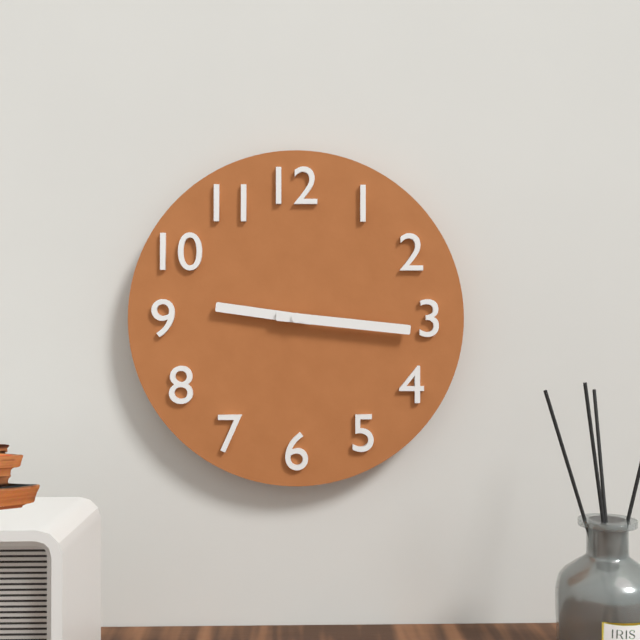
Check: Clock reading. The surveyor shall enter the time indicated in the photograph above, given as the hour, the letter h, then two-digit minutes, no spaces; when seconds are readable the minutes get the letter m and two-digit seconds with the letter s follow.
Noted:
9h16
